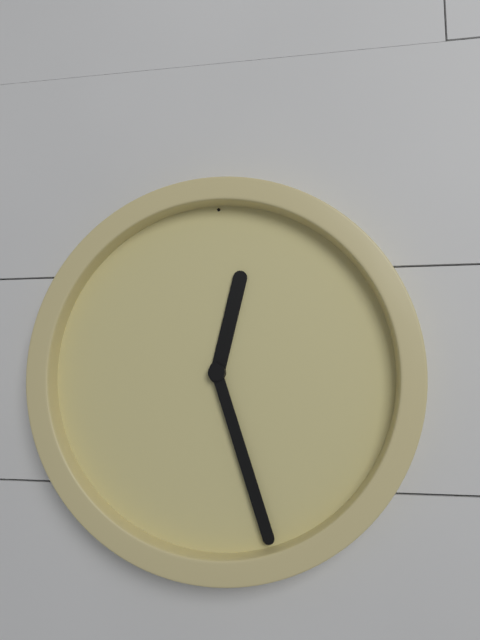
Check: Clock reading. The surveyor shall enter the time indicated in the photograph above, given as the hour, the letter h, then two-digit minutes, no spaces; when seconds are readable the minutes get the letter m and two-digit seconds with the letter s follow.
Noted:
12h27
